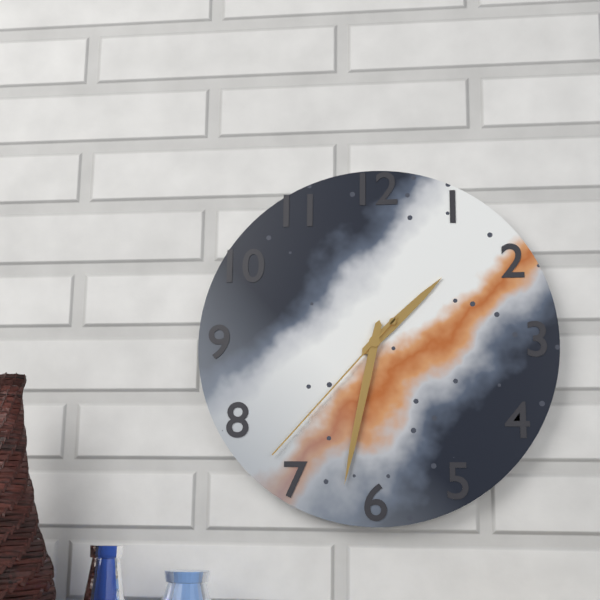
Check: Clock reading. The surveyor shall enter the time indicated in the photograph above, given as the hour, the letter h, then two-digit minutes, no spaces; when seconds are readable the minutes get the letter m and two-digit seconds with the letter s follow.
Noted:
1h32m37s
